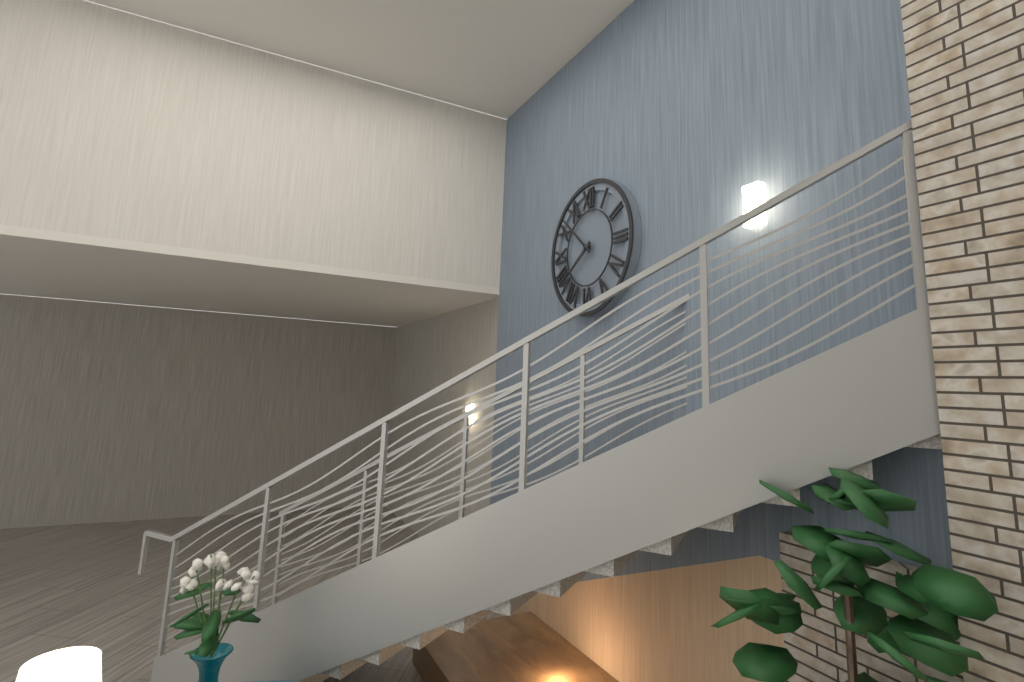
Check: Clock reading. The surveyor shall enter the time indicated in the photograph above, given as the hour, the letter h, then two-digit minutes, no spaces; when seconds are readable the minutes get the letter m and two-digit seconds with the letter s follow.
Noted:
7h52
